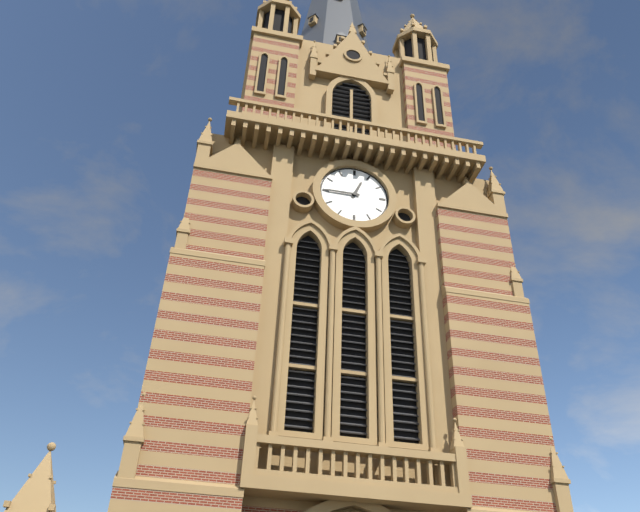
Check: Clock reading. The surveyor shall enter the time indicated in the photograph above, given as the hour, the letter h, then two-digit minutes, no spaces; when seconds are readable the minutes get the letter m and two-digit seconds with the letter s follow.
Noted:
12h45
